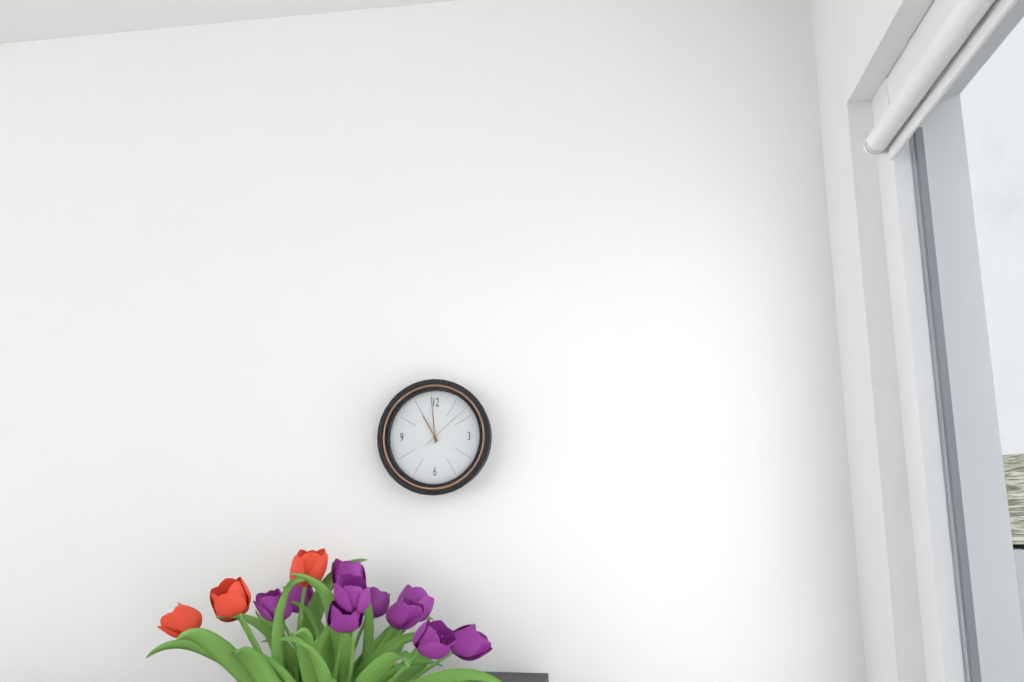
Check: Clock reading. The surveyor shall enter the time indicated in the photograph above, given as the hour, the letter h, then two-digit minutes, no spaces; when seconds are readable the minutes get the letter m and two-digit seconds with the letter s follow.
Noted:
10h59m08s
